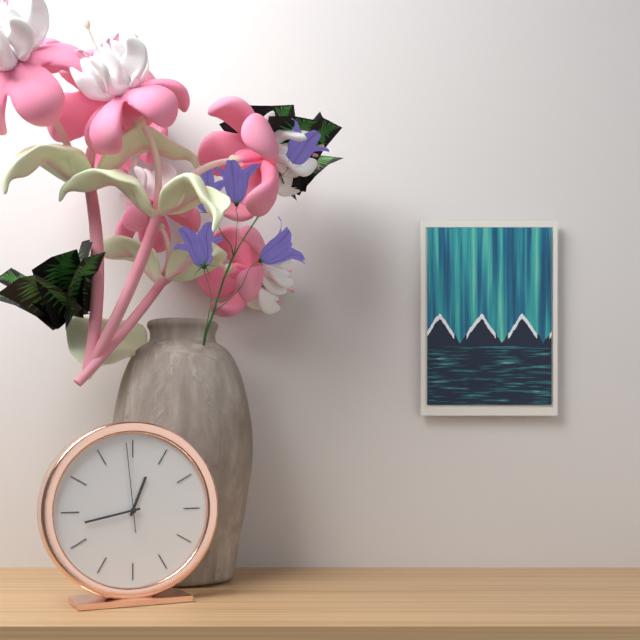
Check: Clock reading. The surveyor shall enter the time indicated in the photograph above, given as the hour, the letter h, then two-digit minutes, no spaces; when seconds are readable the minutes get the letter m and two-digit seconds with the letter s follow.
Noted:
12h43m59s
